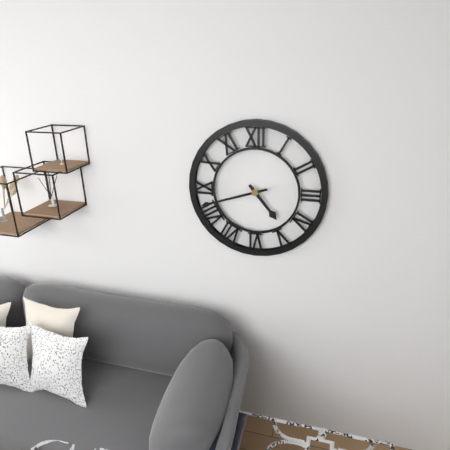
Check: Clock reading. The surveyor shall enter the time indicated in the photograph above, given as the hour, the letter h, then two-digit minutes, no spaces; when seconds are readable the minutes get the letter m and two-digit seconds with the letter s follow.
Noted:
4h42
